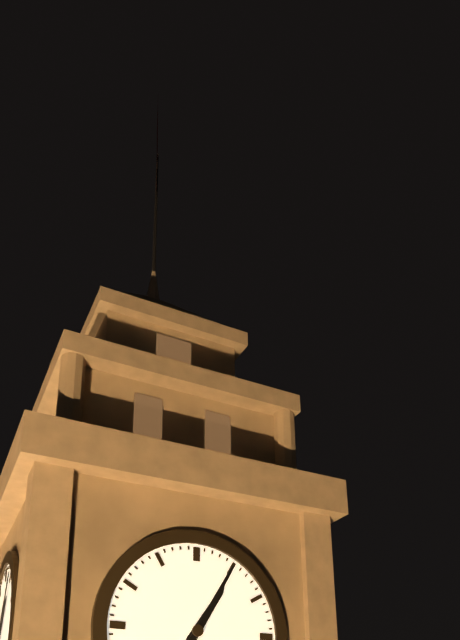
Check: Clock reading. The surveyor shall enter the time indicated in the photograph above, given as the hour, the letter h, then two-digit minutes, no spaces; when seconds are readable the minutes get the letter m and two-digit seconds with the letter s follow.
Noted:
1h05
